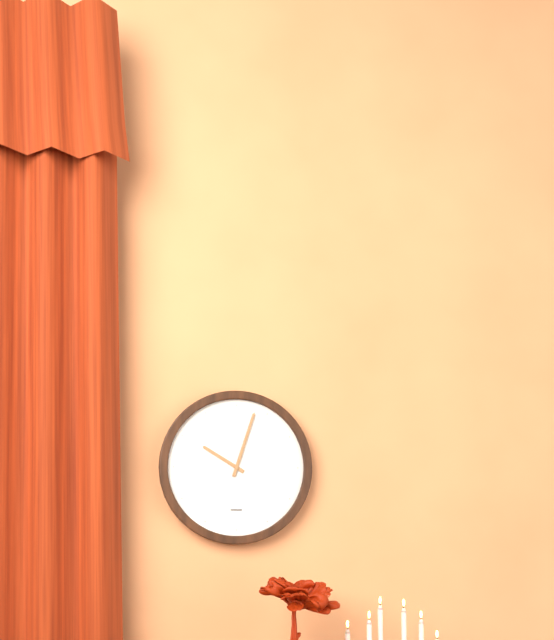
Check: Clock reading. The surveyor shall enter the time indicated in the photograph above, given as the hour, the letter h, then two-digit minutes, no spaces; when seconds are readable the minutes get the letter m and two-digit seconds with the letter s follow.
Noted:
10h03
